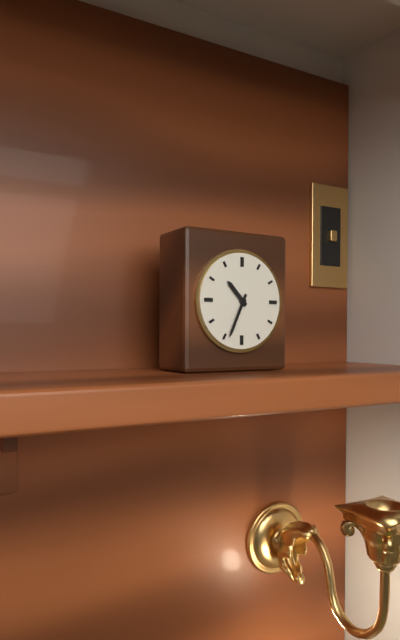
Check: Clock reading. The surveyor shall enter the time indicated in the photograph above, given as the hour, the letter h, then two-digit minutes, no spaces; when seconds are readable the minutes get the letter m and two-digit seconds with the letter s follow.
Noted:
10h34
